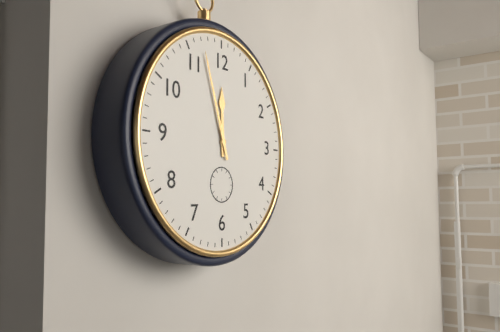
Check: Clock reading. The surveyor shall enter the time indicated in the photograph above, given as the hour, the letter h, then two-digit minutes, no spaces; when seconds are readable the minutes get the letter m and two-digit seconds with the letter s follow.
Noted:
11h57
